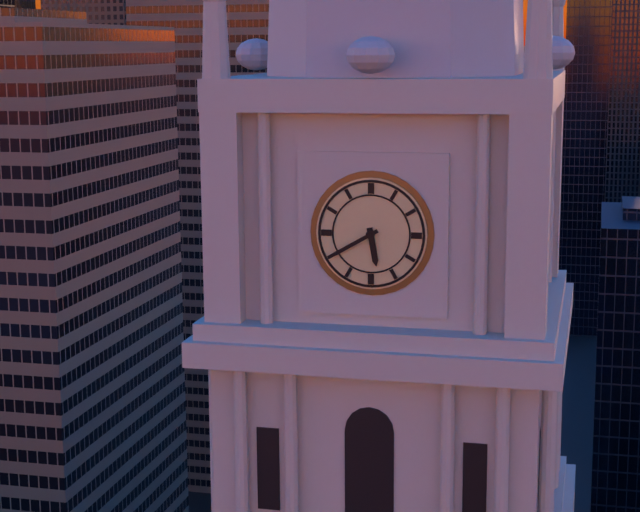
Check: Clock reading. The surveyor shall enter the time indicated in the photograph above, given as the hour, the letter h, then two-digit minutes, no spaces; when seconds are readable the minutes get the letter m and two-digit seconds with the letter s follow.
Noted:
5h40
